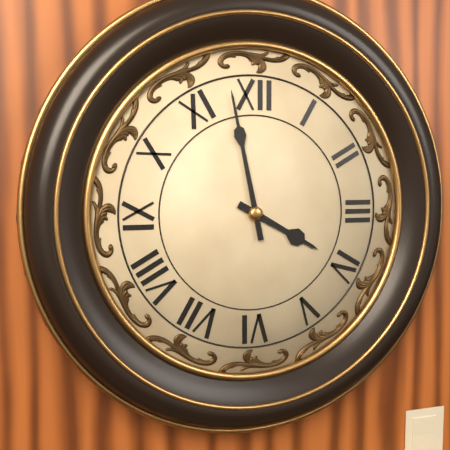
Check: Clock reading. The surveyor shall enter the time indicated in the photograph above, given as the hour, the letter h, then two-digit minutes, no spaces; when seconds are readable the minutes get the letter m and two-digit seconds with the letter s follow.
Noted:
3h58
